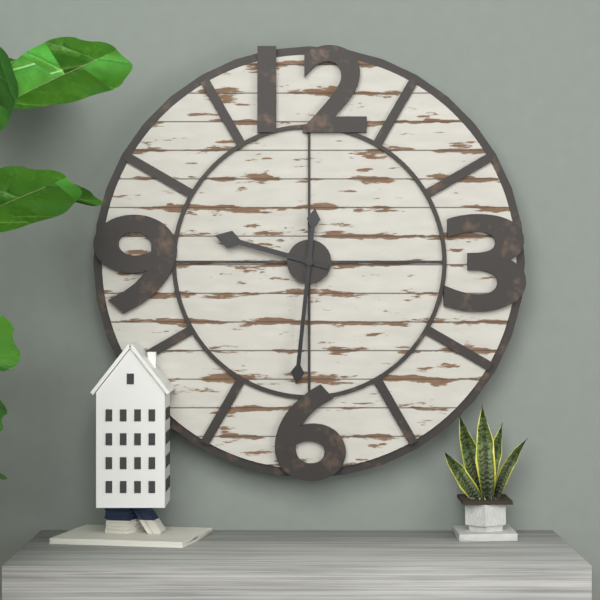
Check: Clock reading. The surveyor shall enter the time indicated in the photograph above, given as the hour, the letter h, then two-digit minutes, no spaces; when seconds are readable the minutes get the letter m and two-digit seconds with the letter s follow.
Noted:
9h31
